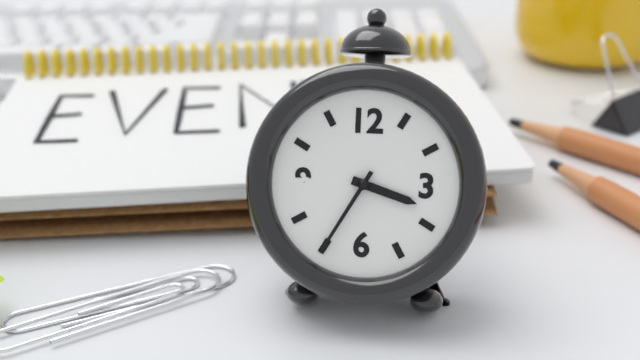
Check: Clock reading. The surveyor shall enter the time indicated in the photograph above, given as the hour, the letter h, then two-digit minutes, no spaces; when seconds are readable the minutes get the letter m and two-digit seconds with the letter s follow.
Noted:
3h35
